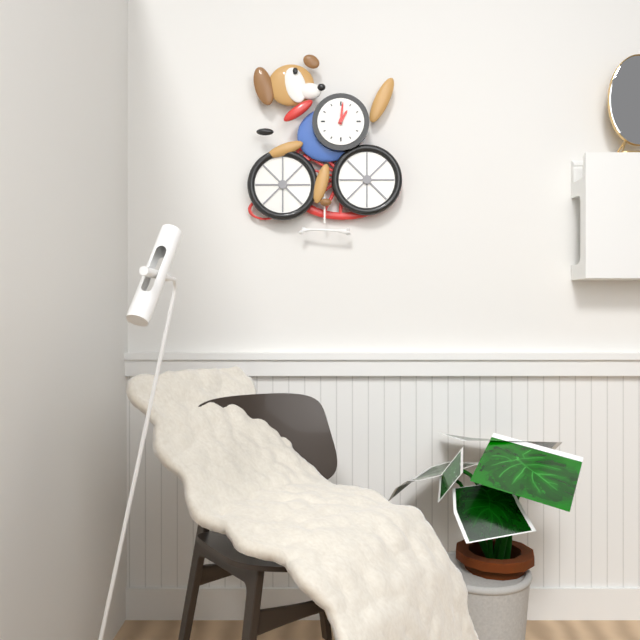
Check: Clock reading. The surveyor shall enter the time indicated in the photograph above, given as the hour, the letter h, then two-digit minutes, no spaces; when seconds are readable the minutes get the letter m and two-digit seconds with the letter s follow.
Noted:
1h01
